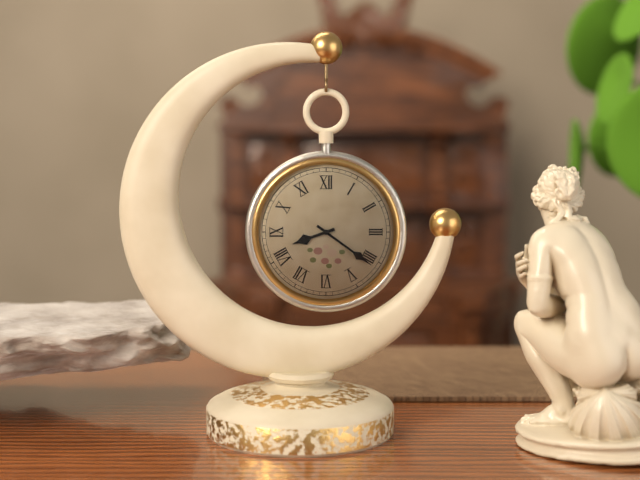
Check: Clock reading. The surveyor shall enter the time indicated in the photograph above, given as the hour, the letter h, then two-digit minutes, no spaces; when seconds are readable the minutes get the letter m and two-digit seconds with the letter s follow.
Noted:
8h21
